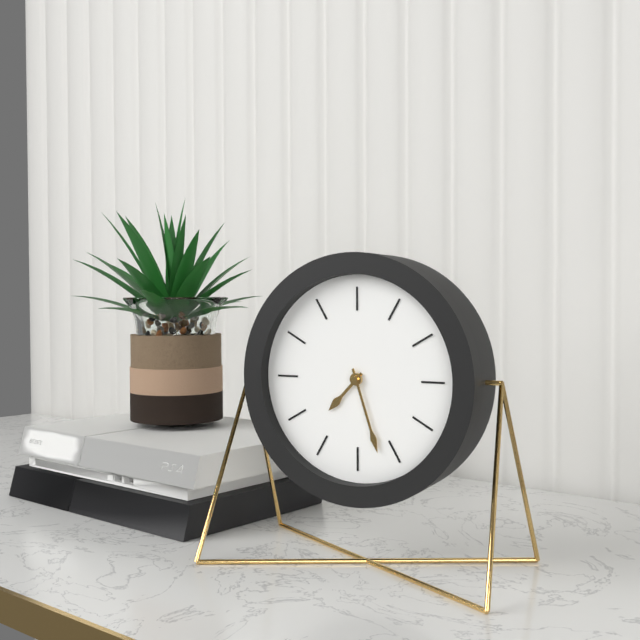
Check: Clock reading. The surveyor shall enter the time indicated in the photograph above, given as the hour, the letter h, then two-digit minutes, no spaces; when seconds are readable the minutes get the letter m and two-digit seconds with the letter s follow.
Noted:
7h27
